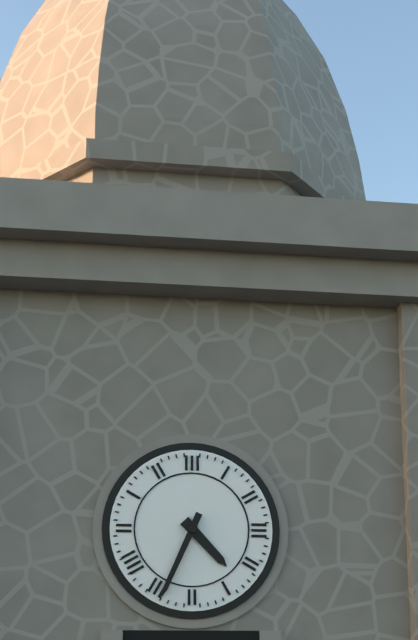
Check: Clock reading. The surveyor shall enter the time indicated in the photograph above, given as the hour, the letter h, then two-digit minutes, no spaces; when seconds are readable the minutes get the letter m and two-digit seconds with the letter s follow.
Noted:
4h34
